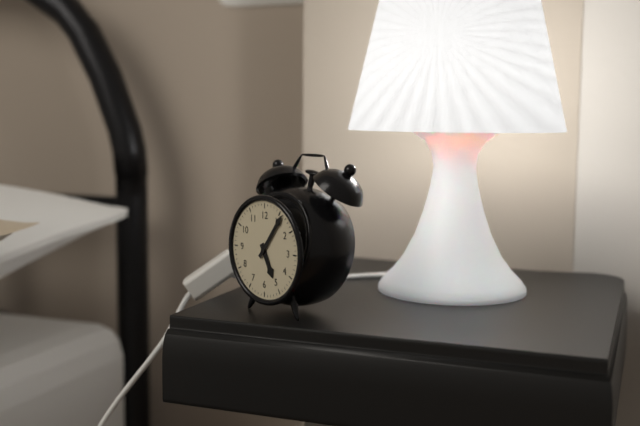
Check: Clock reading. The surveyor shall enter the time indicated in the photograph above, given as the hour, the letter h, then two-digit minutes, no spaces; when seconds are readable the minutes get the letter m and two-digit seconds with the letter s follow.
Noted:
5h06
